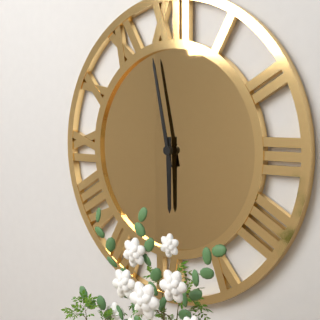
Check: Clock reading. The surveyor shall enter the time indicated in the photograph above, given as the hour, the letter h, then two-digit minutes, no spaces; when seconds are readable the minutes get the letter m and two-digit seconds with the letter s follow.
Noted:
5h58
